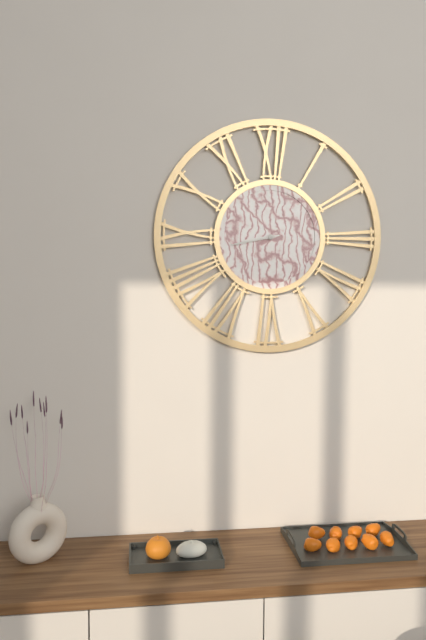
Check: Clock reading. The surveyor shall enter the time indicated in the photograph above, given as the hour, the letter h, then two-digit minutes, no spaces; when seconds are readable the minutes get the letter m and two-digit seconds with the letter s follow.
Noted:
8h43
